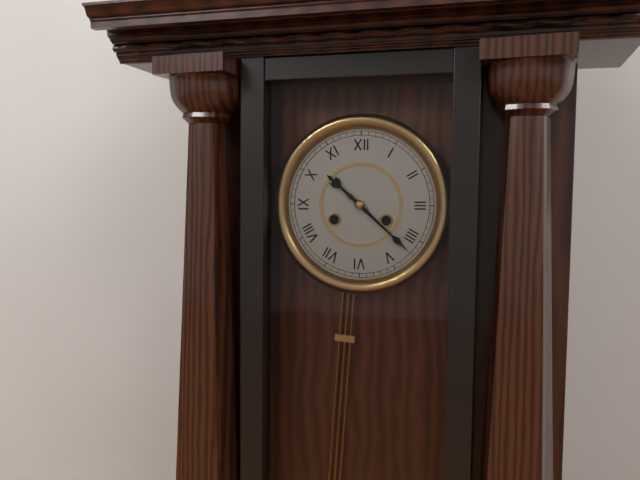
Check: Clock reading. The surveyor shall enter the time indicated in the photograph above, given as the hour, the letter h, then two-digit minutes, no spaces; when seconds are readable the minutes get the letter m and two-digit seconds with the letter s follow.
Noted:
10h22
